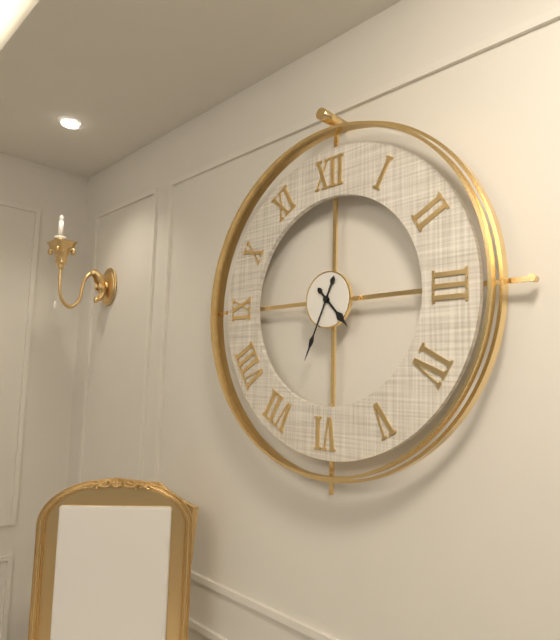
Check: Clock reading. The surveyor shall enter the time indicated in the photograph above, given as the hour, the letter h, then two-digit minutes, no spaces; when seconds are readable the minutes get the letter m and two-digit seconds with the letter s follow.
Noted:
4h34
